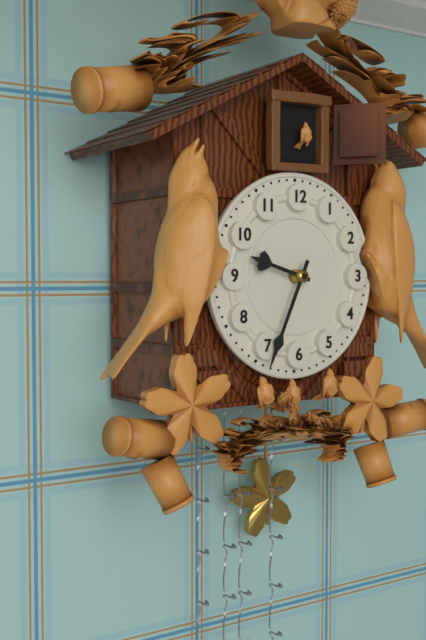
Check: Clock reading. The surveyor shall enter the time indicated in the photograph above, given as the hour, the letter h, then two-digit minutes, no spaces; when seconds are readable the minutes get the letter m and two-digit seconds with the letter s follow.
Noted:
9h34
